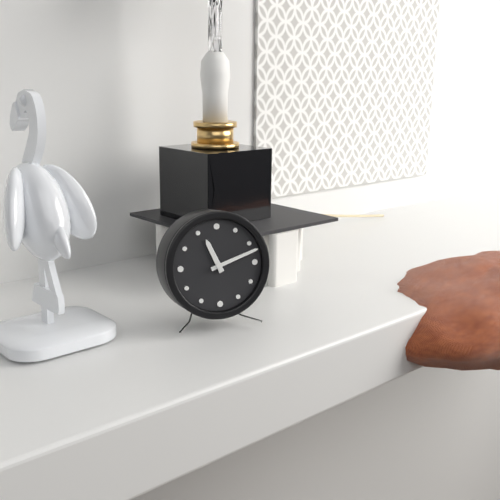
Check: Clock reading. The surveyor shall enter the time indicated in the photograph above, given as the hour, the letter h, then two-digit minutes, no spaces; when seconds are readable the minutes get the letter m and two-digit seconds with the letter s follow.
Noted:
11h12
